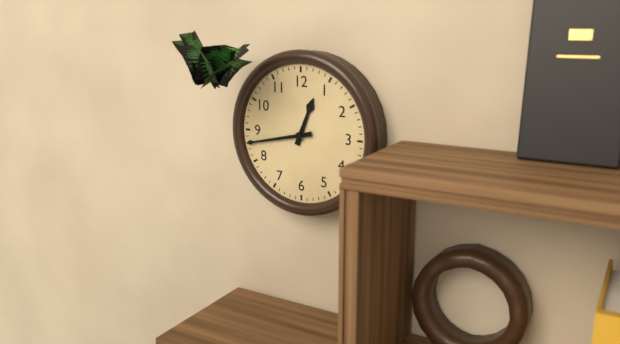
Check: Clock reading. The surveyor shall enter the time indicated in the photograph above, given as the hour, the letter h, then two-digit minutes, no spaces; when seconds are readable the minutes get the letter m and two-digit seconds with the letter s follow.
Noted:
12h43
